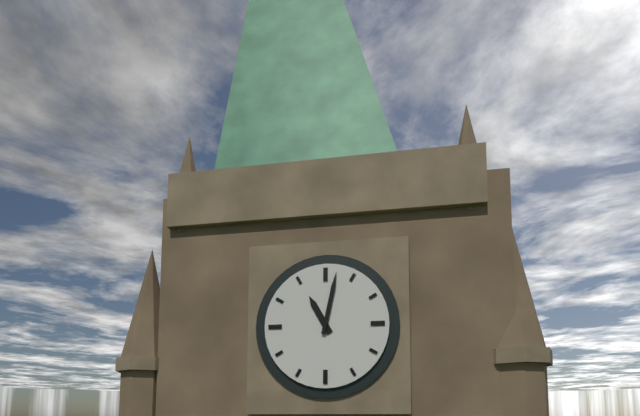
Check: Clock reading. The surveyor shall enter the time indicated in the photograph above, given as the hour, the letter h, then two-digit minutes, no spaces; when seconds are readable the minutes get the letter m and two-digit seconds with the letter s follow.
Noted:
11h02
